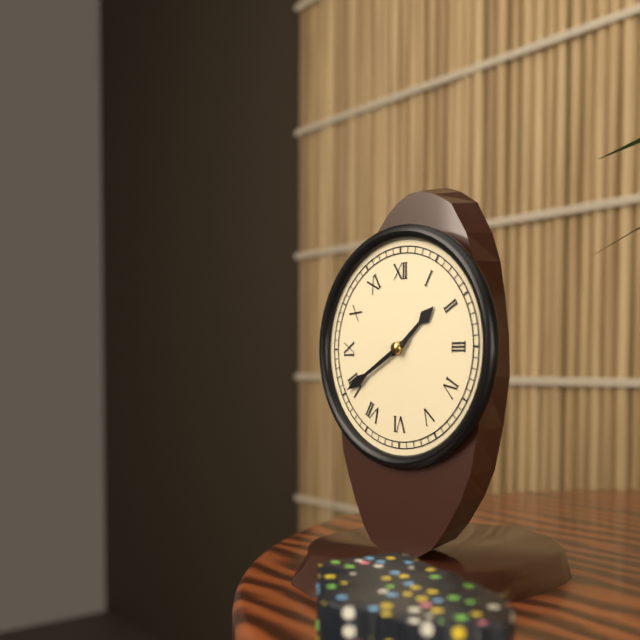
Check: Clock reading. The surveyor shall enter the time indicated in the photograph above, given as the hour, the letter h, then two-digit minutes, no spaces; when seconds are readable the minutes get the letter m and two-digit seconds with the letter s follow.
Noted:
1h40
